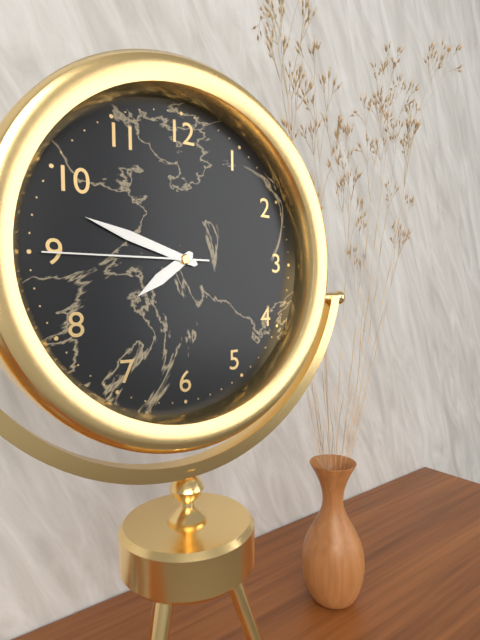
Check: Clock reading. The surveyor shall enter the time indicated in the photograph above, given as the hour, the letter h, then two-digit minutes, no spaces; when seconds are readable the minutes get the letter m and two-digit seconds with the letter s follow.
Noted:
7h48m45s
